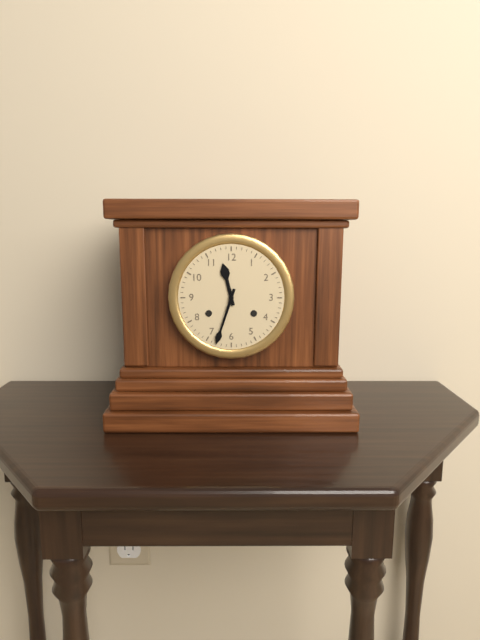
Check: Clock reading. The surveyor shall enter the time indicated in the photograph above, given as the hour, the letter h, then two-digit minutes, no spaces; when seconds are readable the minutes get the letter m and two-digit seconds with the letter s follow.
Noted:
11h33
